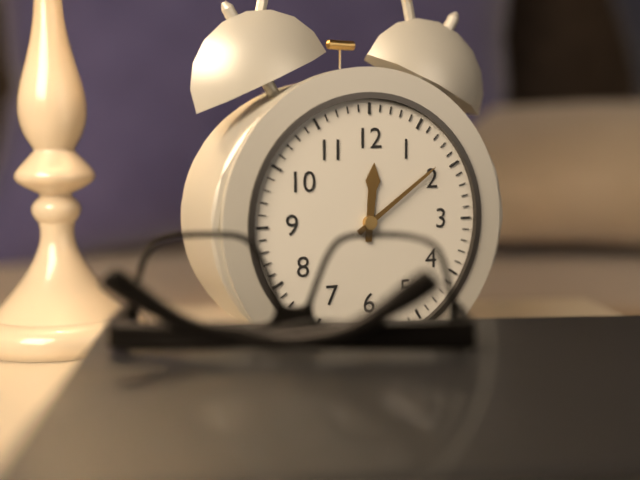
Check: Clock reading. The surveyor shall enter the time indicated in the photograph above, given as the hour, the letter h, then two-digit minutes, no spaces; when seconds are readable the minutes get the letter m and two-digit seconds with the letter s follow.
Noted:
12h09
